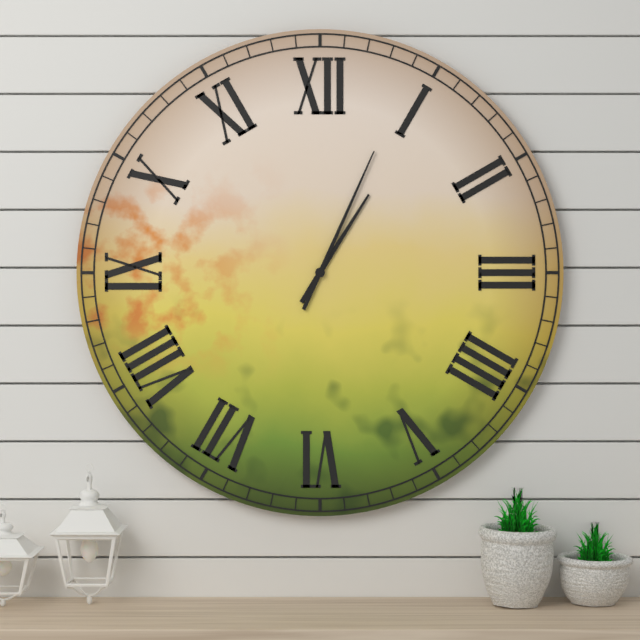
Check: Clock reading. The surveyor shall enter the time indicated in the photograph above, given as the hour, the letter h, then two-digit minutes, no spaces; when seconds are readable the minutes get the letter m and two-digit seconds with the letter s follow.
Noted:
1h04
